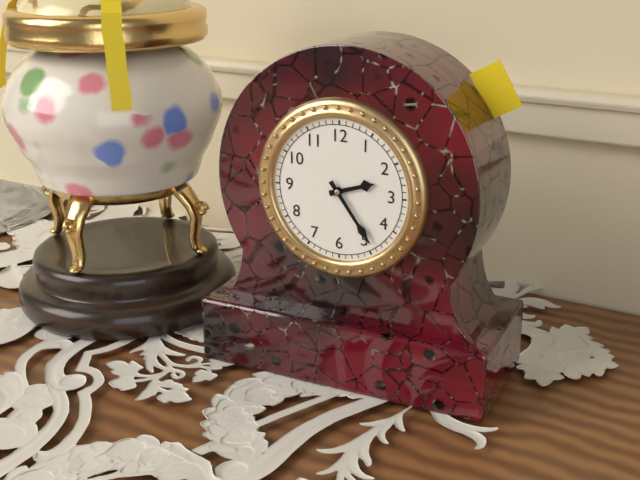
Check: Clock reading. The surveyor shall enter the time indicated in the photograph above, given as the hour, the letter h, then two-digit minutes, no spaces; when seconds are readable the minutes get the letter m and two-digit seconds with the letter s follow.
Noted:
2h24
